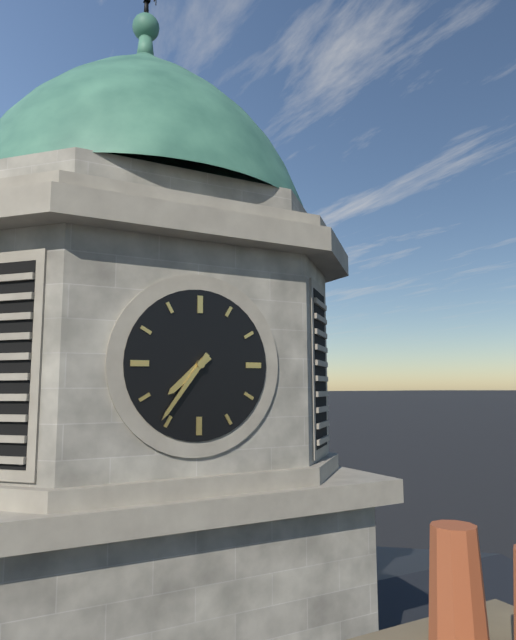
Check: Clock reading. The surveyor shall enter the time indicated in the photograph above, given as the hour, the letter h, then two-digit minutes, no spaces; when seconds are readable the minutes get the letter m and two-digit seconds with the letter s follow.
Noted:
7h36
